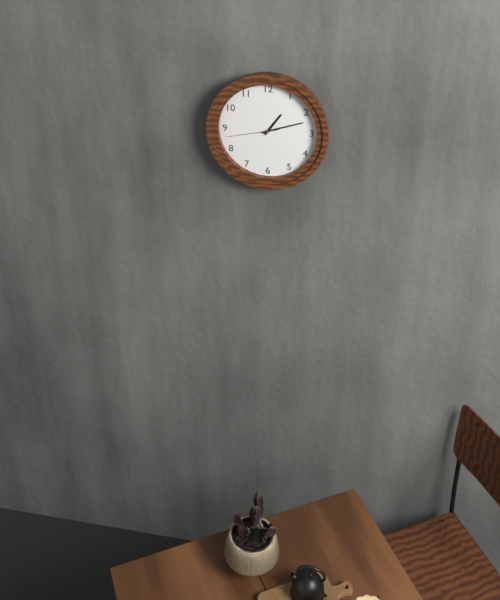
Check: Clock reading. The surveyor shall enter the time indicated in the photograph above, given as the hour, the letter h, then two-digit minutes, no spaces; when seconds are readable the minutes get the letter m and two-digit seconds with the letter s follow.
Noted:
1h12m43s
